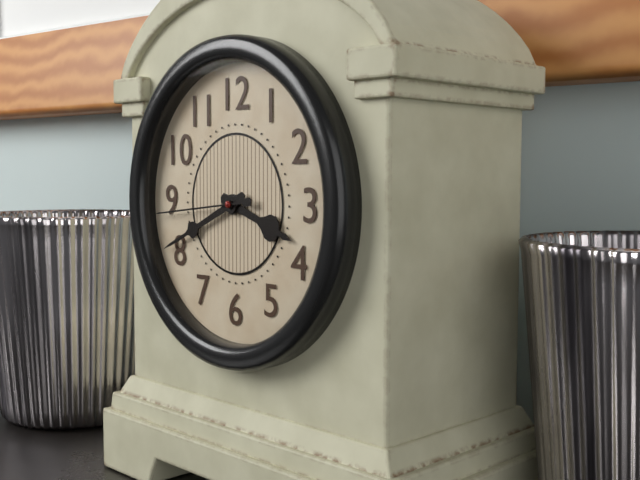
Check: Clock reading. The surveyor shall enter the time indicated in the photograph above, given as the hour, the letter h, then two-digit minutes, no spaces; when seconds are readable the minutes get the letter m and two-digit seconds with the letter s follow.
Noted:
3h41m44s
